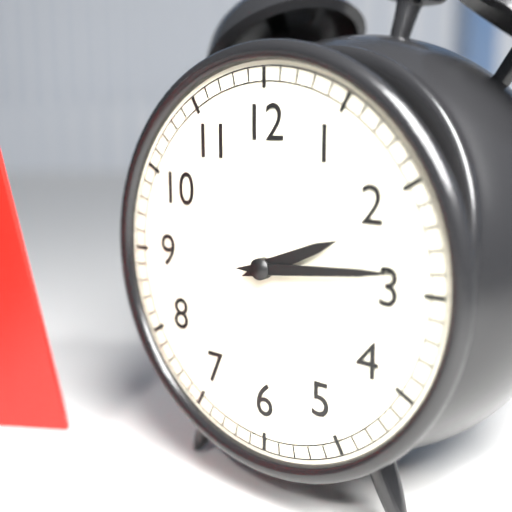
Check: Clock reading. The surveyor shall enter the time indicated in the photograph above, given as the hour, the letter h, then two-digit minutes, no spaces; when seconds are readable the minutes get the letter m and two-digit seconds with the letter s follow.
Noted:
2h14
